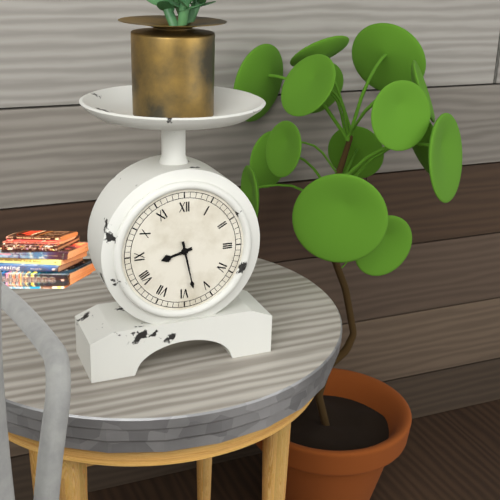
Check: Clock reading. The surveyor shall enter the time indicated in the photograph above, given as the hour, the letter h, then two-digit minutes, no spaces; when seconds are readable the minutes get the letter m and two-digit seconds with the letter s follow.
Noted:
8h28
